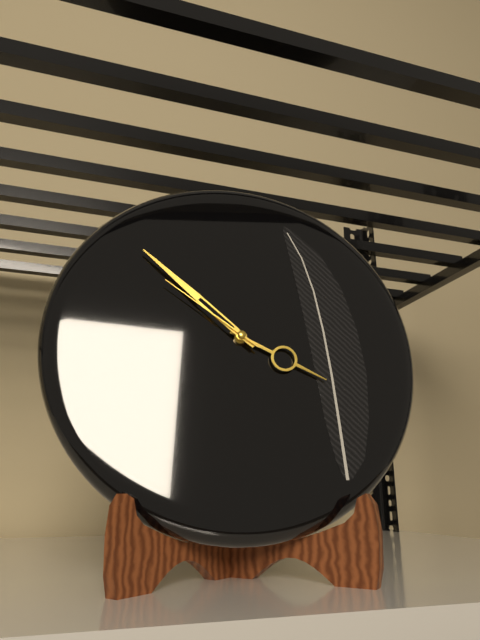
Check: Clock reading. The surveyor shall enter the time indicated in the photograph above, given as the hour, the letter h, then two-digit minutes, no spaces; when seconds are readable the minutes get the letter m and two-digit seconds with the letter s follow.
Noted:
3h52m51s
